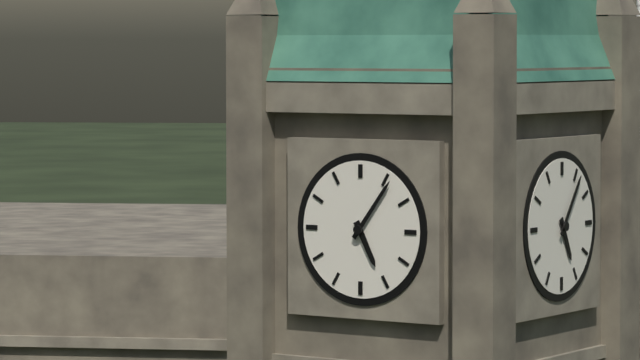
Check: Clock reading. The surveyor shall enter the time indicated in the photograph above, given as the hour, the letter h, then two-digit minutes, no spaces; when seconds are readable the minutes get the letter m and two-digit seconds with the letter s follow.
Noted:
5h06
